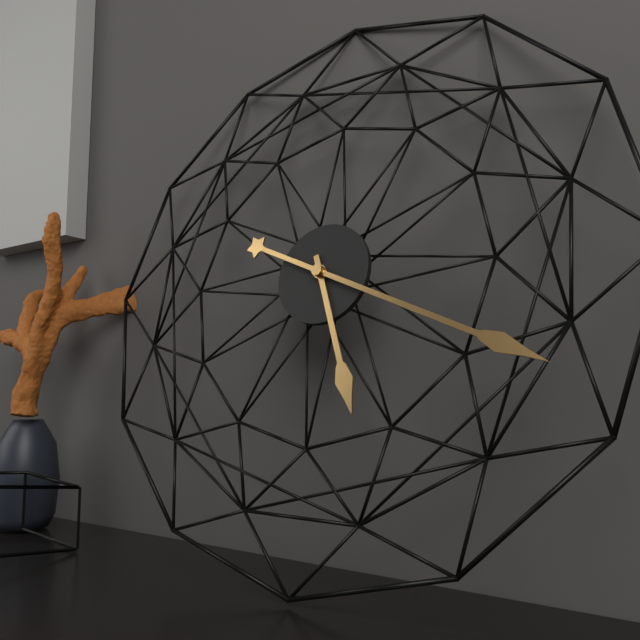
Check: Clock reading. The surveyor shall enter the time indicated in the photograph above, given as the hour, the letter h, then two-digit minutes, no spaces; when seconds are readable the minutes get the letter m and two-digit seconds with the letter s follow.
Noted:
5h19
